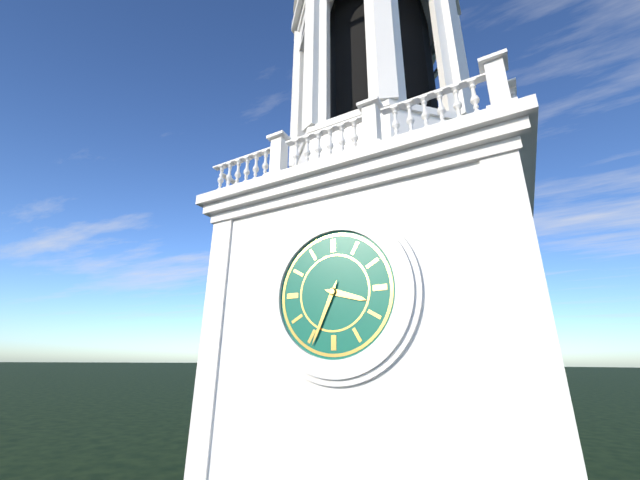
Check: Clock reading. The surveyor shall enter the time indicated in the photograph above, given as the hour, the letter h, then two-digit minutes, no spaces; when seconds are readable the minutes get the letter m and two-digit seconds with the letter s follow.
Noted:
3h34
